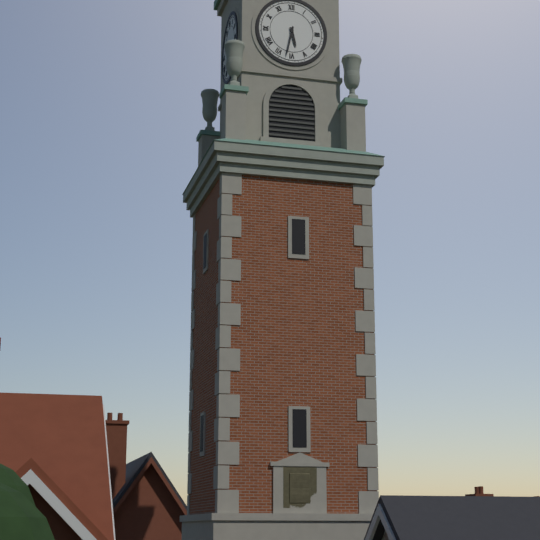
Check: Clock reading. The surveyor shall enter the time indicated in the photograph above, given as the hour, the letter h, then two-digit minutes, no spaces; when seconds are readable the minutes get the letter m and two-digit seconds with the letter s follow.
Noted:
5h32
